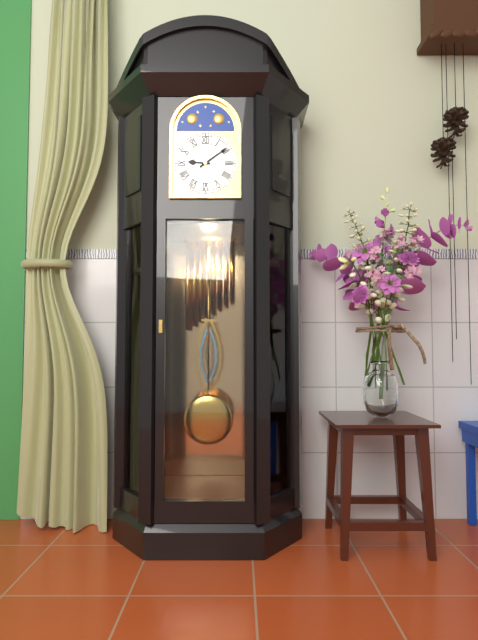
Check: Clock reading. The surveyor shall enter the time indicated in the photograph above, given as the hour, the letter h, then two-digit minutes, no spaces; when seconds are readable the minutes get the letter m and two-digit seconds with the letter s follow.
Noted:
9h09
